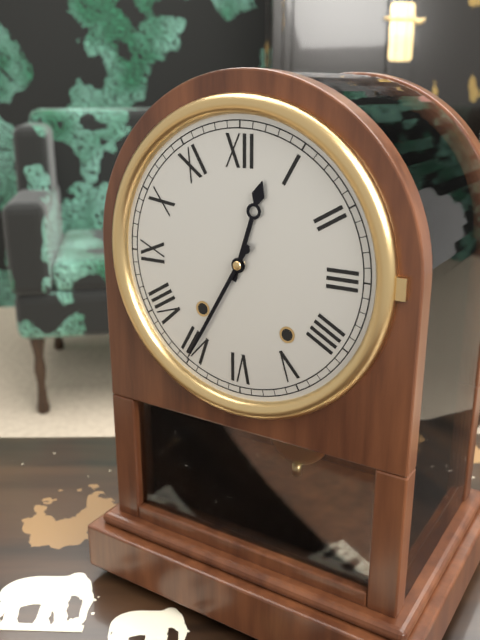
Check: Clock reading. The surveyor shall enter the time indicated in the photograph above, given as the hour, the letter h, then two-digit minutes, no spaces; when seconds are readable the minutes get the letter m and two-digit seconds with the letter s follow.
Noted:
12h35
